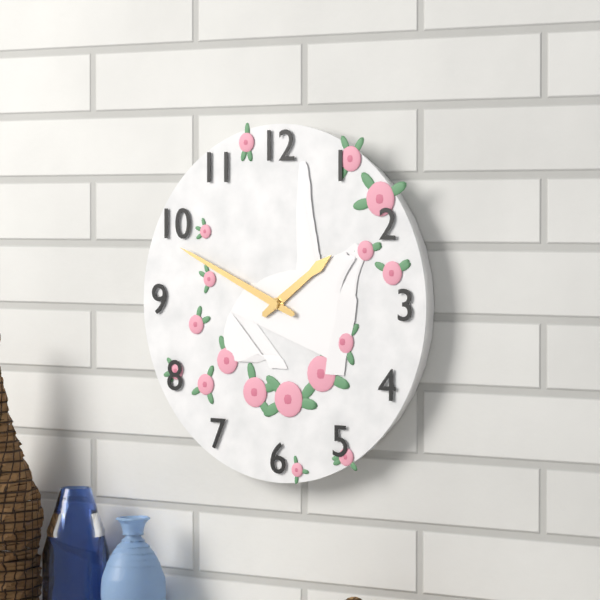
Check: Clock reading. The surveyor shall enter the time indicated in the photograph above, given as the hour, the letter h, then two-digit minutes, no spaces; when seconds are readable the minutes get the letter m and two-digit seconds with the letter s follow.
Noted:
1h49
